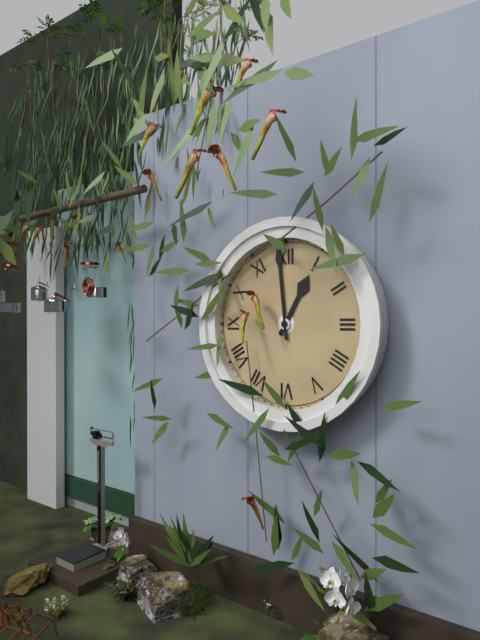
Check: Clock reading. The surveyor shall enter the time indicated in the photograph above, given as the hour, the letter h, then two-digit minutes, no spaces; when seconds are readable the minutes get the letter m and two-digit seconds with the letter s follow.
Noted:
12h59
